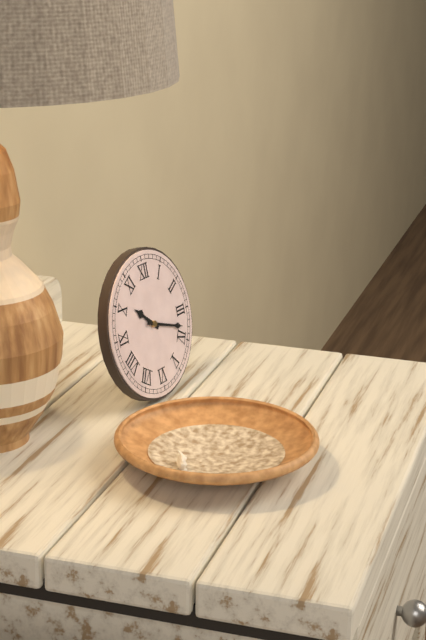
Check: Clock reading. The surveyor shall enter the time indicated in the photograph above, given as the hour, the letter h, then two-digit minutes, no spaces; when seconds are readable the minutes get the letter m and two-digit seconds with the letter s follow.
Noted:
10h18
